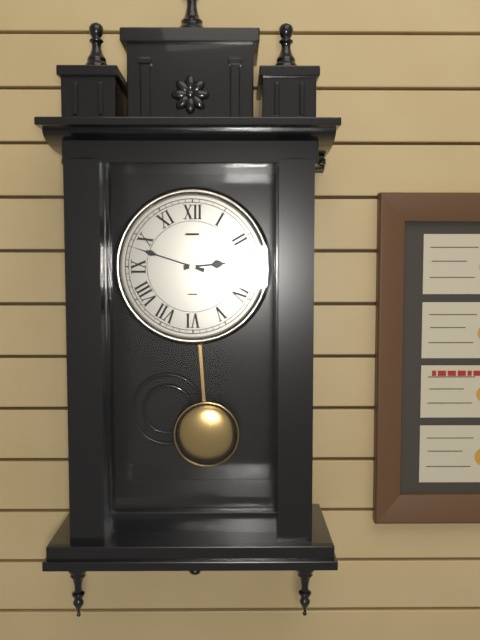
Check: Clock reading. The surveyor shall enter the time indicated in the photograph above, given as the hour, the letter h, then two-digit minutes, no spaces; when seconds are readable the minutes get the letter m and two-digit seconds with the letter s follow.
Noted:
2h48
